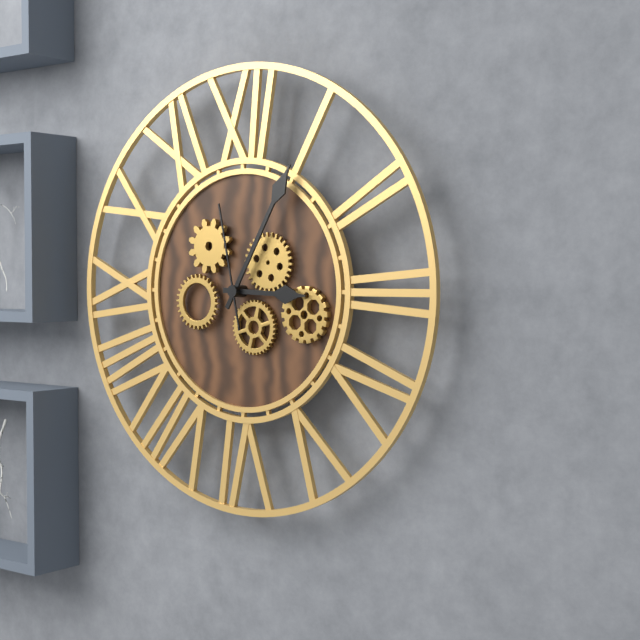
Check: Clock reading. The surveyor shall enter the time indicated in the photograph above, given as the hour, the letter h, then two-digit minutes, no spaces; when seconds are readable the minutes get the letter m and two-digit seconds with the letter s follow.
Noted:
3h05m58s
